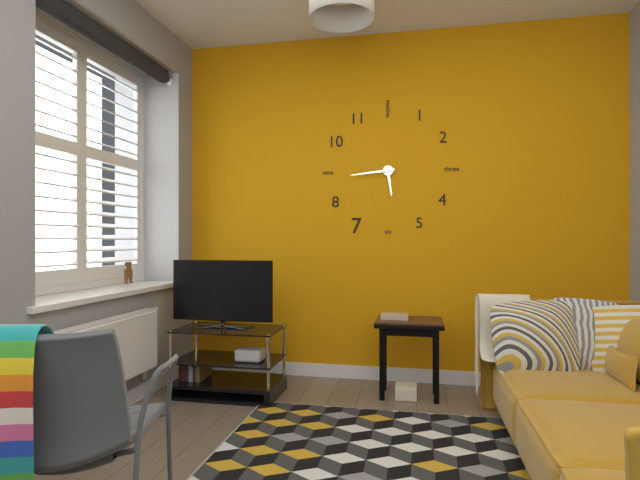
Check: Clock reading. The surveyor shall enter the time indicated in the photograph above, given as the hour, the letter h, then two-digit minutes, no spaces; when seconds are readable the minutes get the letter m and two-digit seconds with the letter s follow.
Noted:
5h44
